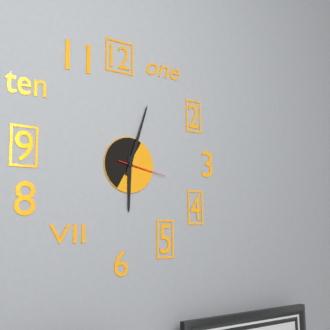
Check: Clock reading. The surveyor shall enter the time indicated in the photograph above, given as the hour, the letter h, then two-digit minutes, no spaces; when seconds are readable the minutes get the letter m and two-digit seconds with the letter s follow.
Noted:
6h03
